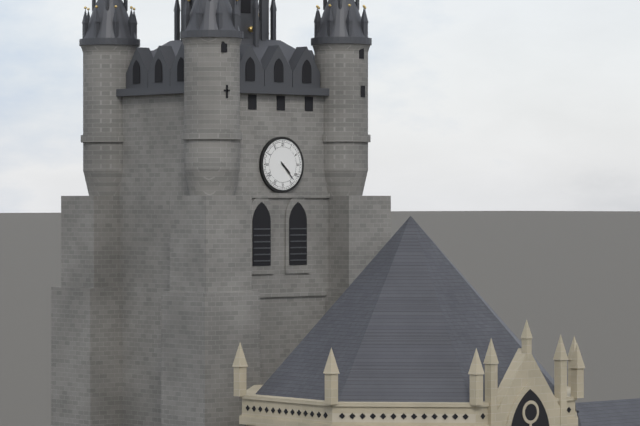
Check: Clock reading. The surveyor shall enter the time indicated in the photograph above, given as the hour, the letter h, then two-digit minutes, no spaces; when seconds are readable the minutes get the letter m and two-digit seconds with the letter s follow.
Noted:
4h23
